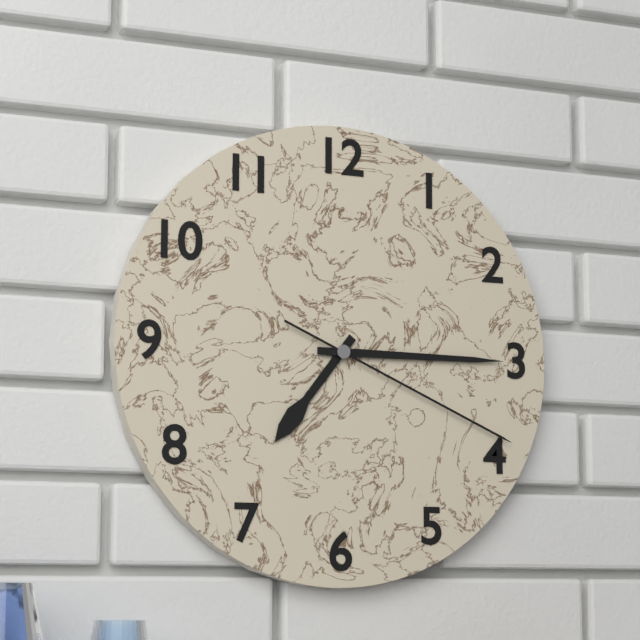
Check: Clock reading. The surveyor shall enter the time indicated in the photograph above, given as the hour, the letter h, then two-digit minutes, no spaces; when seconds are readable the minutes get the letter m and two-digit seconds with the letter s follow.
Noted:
7h15m19s
